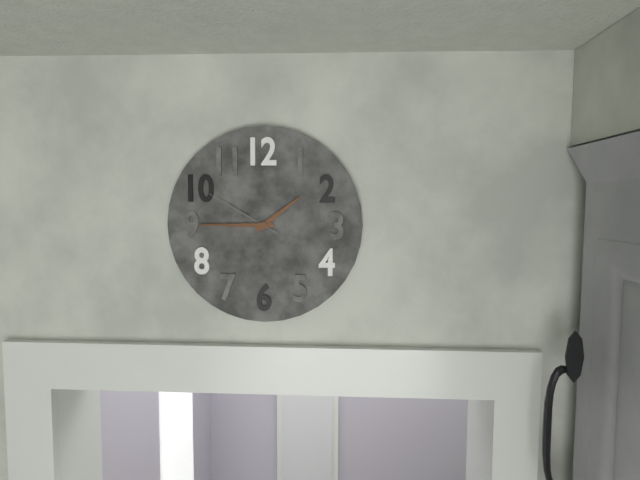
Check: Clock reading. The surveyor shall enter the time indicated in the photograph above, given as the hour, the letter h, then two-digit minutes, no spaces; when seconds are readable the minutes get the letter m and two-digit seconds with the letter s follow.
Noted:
1h45m50s
